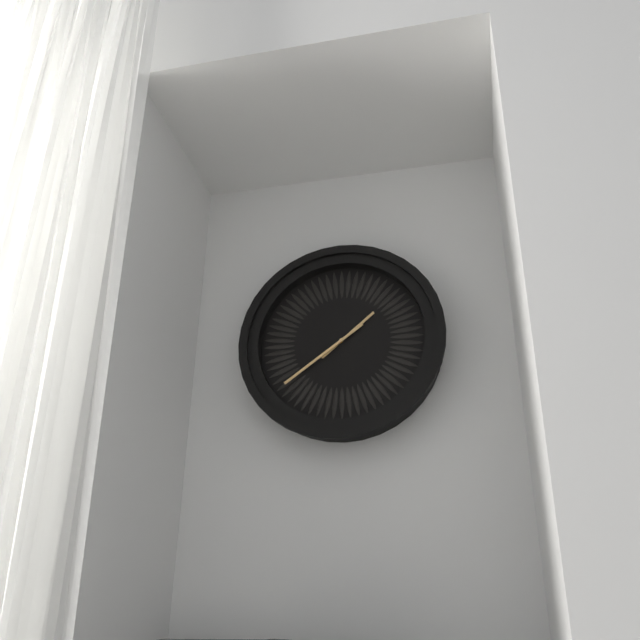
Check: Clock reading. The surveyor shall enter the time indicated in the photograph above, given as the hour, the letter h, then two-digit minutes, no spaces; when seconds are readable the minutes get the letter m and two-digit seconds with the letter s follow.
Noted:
1h39
